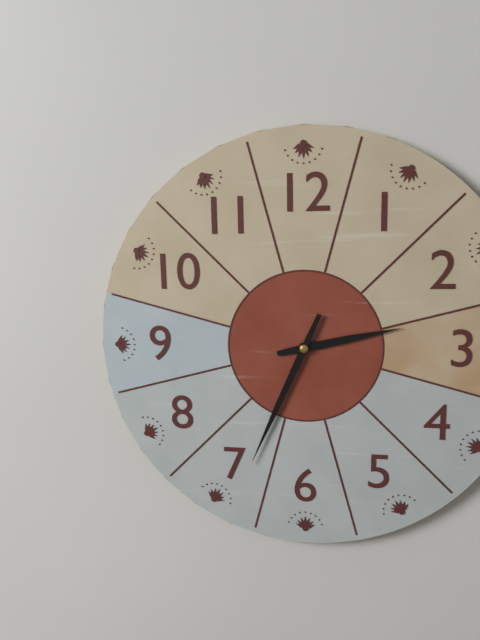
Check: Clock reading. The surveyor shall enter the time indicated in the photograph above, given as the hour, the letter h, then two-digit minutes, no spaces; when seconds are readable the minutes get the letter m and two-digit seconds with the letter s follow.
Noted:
2h34
